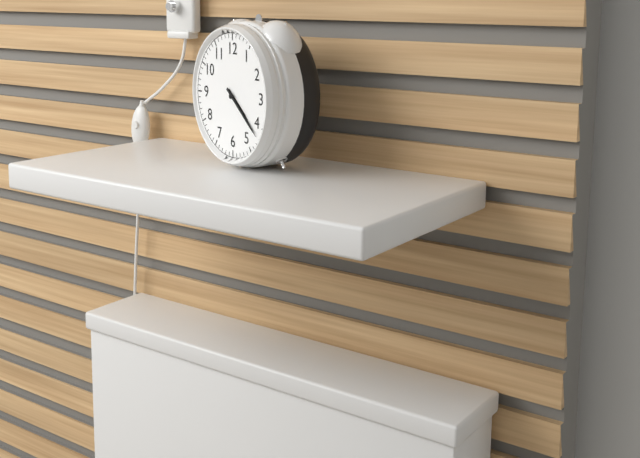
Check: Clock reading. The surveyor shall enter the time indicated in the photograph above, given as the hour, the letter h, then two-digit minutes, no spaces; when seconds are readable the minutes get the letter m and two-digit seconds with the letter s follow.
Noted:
4h22
